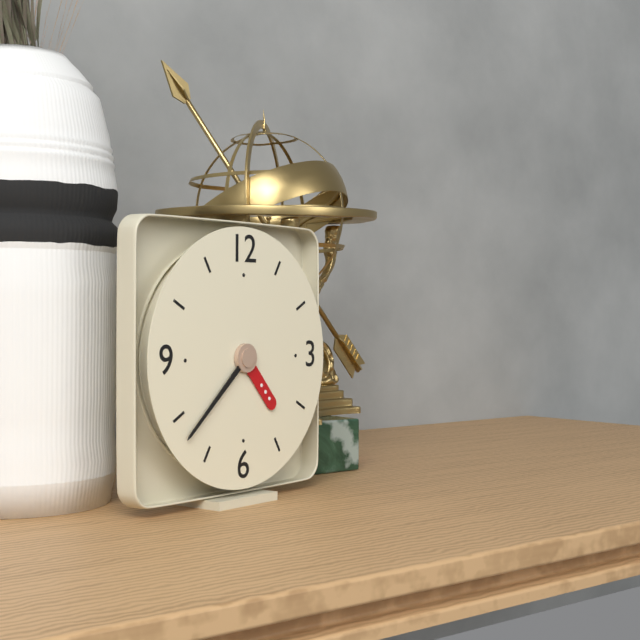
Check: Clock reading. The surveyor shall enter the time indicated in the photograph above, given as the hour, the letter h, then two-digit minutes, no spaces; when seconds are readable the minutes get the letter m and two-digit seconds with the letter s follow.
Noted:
4h38
